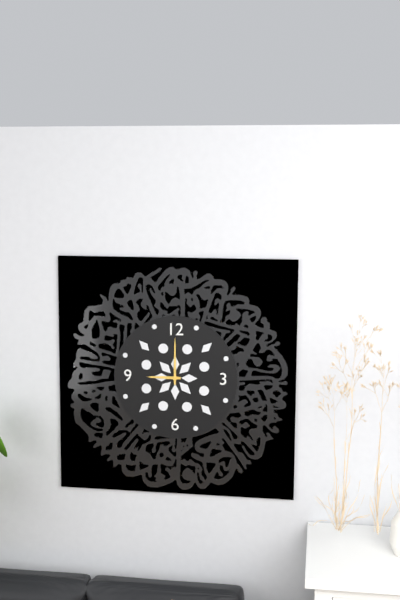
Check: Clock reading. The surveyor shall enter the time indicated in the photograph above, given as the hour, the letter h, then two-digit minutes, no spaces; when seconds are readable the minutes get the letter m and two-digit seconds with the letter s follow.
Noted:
9h00
